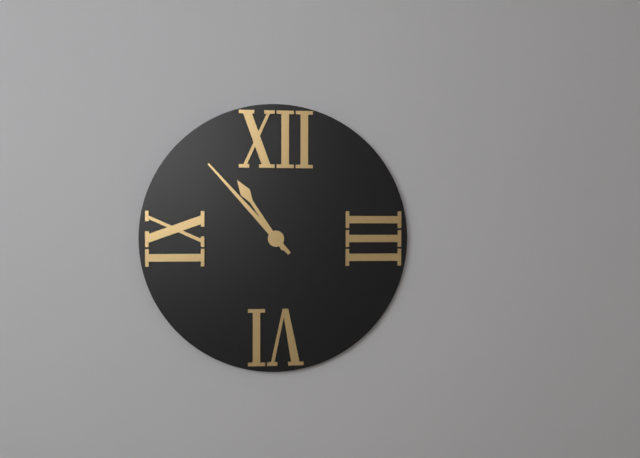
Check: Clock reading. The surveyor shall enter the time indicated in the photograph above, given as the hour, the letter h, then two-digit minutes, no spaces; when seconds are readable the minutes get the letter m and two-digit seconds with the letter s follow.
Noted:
10h53
